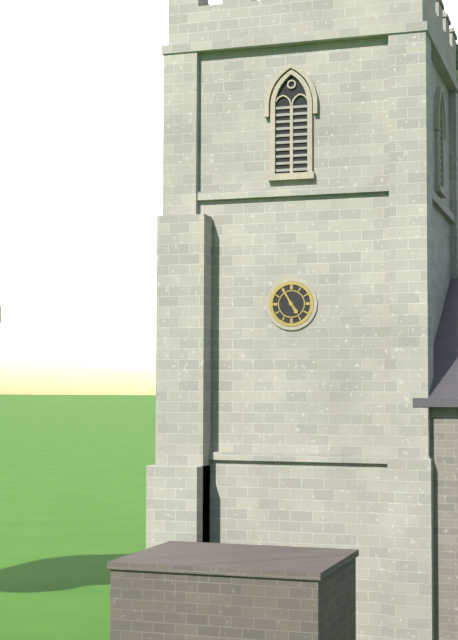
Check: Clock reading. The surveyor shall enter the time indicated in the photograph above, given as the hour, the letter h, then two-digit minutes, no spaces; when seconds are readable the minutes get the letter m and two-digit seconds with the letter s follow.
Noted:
4h55
